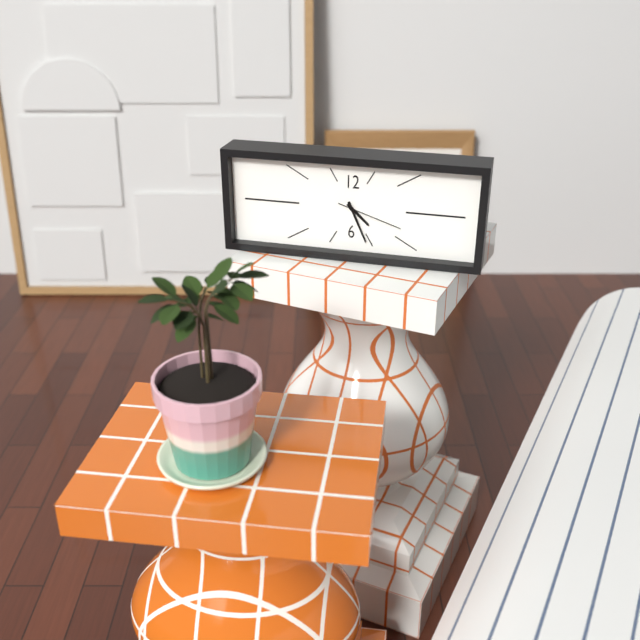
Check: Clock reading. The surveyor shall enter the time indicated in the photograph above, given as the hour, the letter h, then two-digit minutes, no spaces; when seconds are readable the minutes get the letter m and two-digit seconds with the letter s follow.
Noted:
4h26m18s
